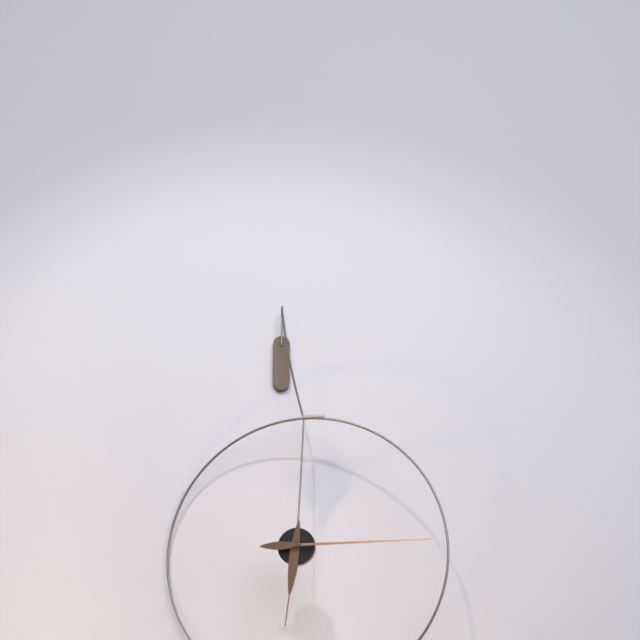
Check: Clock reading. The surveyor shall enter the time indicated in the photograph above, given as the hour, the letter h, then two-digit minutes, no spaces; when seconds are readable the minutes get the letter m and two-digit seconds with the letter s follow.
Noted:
6h15
